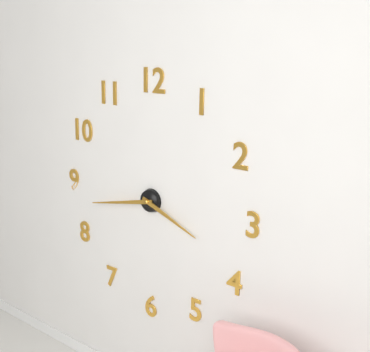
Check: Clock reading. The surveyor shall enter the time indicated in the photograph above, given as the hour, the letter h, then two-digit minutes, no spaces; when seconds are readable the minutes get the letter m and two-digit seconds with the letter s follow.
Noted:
3h43
